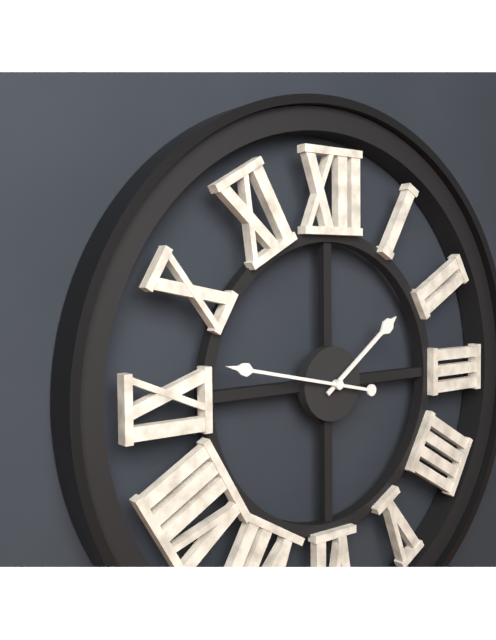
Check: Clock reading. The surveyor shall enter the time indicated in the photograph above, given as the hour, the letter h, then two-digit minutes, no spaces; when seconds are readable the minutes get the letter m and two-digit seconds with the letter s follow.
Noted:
1h47
